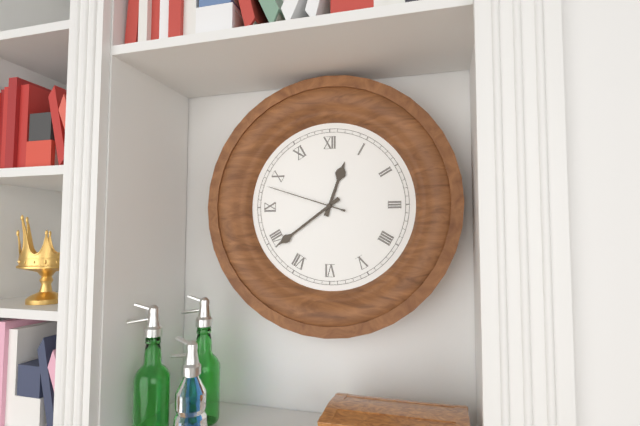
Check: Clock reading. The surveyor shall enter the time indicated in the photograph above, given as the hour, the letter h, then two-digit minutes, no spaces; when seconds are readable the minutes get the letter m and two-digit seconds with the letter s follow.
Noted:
12h39m48s
